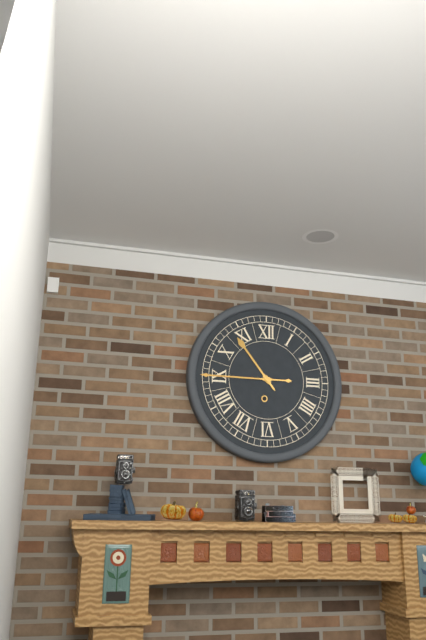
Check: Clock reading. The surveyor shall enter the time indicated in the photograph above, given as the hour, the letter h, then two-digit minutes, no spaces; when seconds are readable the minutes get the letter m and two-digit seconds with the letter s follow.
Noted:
10h45
